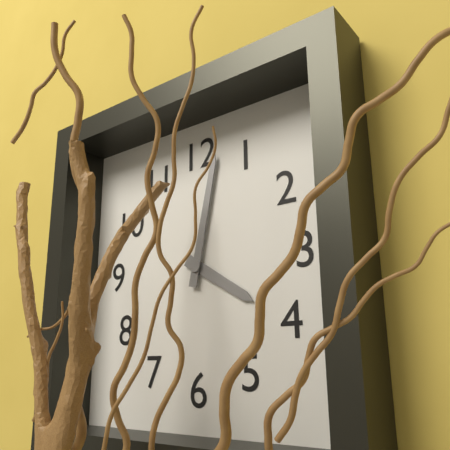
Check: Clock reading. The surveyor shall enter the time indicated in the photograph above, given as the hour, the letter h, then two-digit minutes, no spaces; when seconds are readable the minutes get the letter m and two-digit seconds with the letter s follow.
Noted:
4h02
